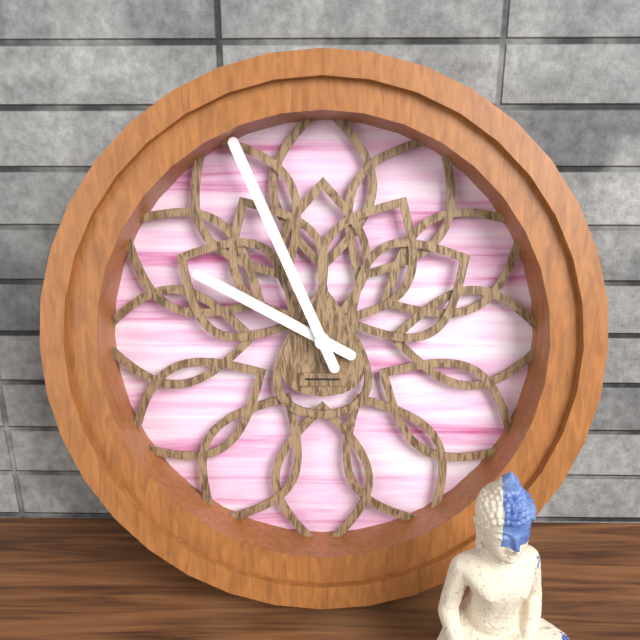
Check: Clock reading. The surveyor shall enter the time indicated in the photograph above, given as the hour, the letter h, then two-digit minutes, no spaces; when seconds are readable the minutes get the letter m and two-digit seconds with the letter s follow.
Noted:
9h56
